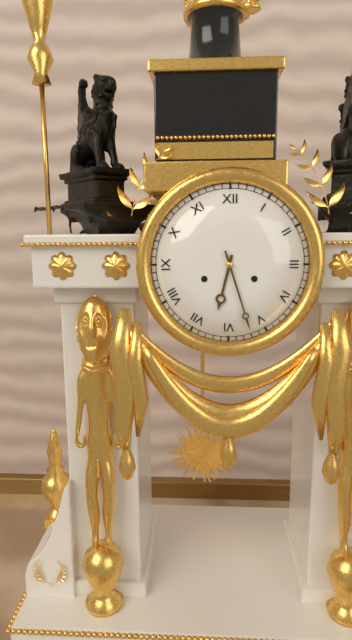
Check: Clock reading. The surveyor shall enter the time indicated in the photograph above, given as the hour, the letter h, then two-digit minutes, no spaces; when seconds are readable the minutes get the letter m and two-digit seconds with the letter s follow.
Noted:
6h27
